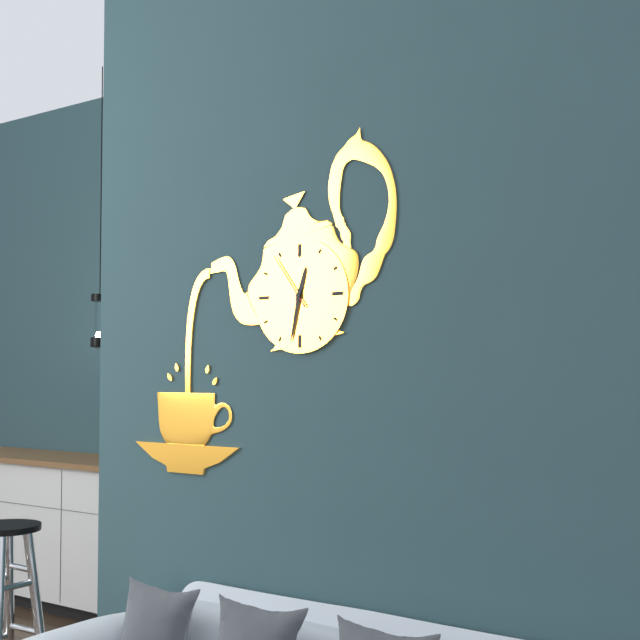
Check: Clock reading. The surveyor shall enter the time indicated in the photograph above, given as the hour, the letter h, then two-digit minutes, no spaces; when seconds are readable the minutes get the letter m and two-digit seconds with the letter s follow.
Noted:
12h32m54s
